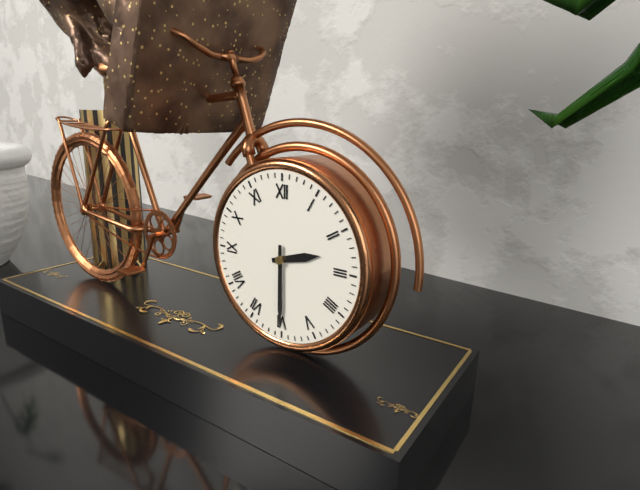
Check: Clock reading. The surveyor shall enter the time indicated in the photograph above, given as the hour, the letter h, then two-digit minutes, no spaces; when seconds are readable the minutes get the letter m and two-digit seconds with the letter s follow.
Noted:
2h30
